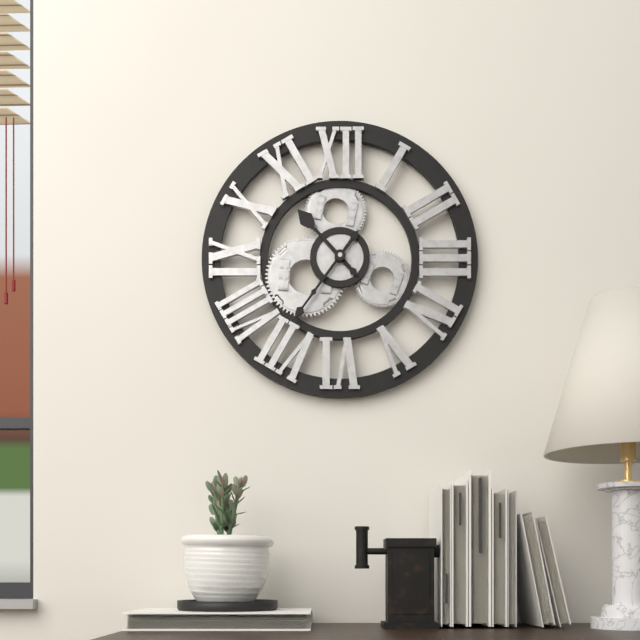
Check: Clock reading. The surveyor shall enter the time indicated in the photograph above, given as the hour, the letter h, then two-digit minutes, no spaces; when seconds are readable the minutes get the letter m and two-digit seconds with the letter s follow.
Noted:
10h36
